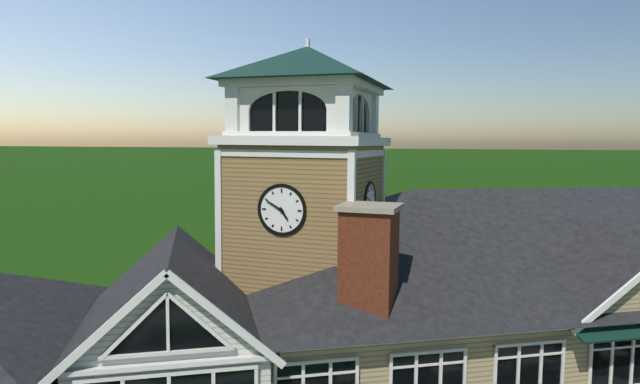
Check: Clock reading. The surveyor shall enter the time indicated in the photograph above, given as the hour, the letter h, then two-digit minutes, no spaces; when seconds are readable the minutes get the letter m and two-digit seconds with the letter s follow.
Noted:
4h50
